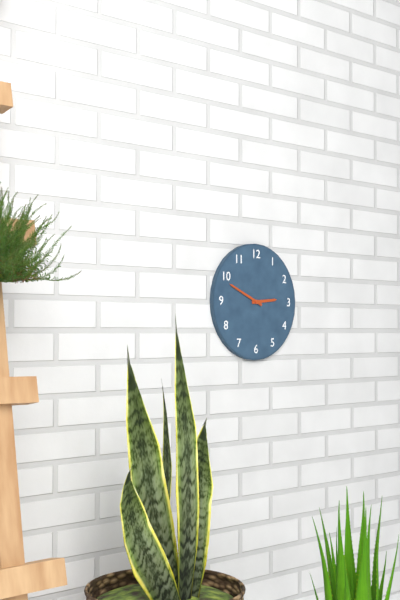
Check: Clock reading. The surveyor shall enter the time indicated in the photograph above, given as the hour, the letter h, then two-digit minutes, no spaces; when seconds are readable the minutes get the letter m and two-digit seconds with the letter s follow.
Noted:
2h49
